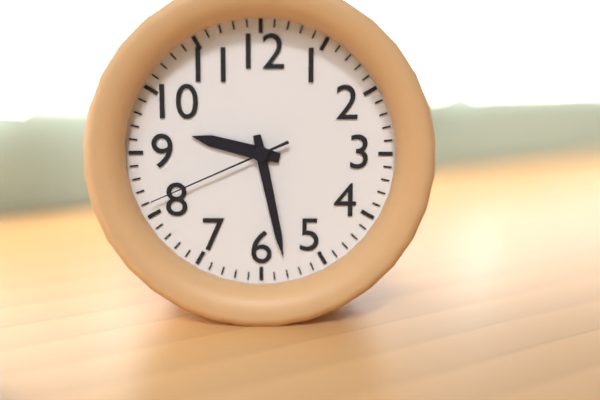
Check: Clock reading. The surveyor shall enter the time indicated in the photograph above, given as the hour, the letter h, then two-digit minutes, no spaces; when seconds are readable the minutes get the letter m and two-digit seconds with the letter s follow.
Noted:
9h28m41s
